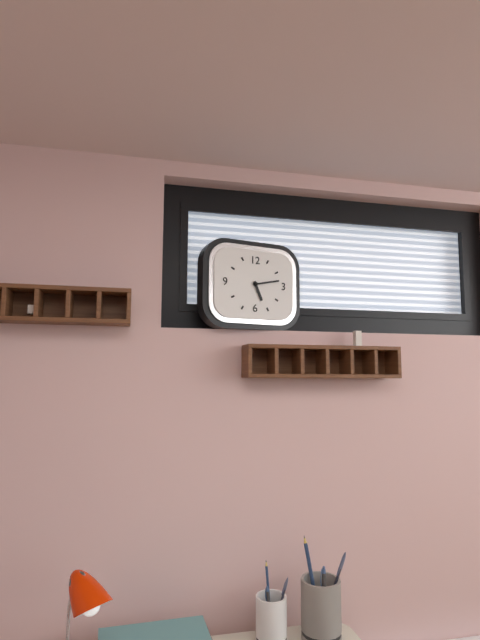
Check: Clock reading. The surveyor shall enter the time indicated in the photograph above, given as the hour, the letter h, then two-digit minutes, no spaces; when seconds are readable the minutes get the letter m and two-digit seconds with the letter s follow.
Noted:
5h13
